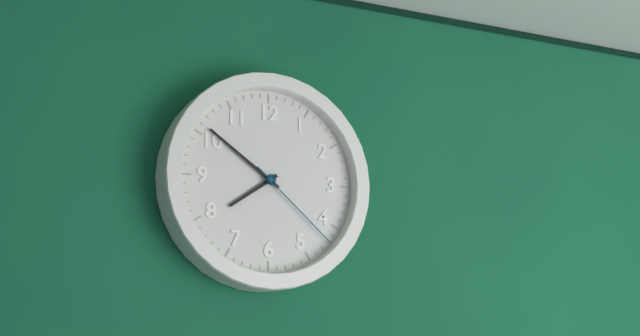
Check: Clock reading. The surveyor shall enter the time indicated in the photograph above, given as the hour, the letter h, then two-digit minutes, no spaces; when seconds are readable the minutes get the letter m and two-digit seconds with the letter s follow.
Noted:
7h51m22s
